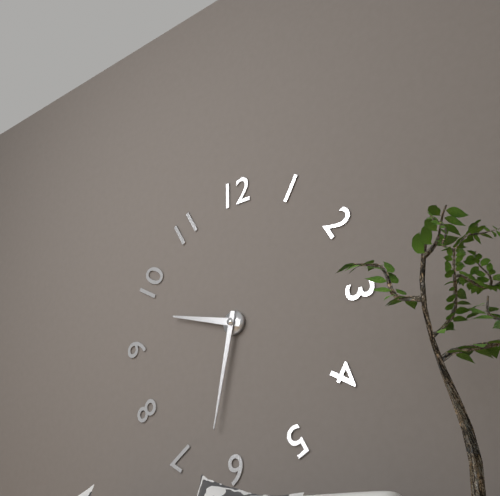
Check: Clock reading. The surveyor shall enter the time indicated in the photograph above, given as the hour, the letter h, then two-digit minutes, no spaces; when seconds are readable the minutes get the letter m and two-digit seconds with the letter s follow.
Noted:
9h32
